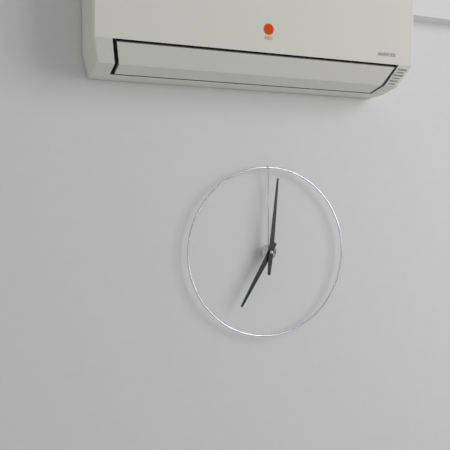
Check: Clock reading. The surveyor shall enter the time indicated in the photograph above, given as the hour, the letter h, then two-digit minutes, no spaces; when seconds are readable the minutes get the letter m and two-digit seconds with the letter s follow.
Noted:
7h01
